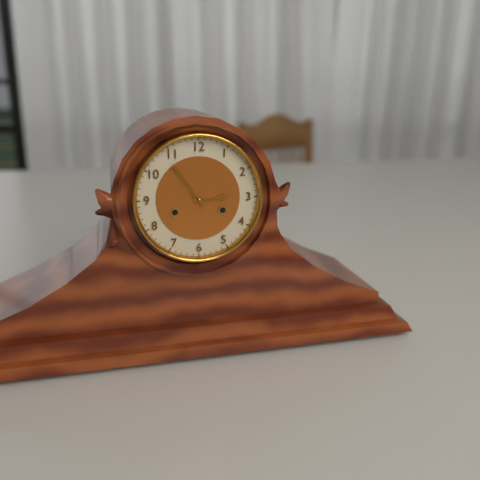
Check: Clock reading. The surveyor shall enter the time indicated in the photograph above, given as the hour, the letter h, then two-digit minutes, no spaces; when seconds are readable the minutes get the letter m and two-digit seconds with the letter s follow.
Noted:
2h54
